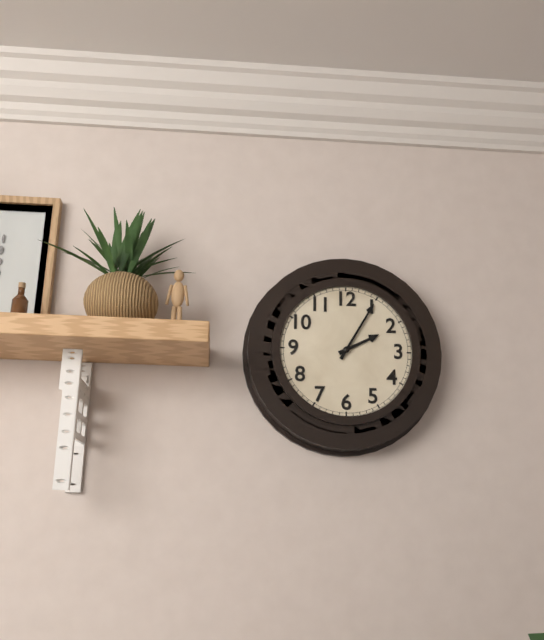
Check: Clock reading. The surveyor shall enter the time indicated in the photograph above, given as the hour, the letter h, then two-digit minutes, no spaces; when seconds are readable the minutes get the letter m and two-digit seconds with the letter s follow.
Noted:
2h05
